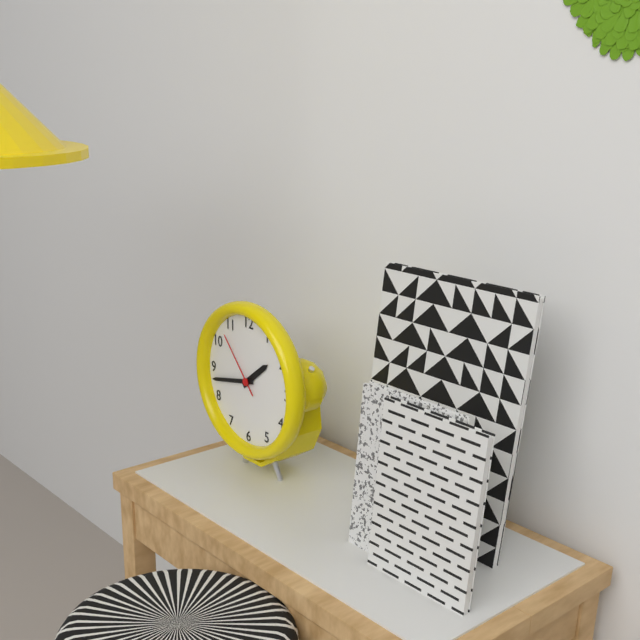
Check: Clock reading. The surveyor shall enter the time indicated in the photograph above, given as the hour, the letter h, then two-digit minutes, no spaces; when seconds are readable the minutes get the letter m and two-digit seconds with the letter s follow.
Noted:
1h43m53s
